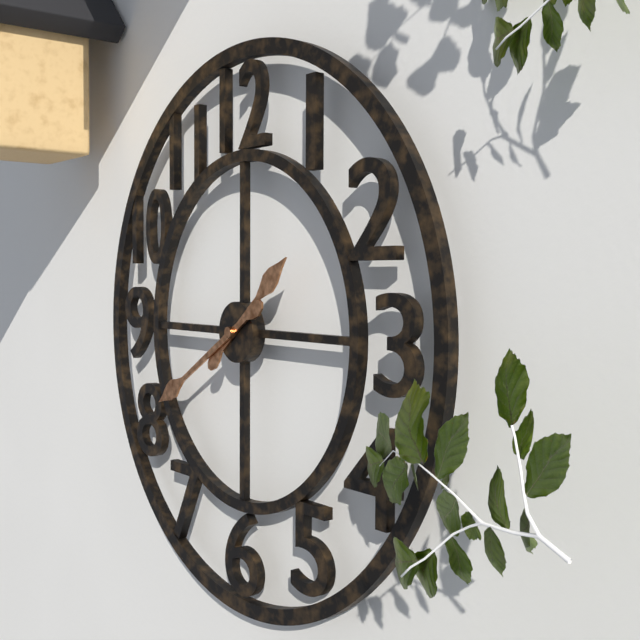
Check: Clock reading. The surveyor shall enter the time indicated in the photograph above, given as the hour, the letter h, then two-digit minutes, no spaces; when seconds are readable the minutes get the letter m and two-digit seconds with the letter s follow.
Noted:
1h40
